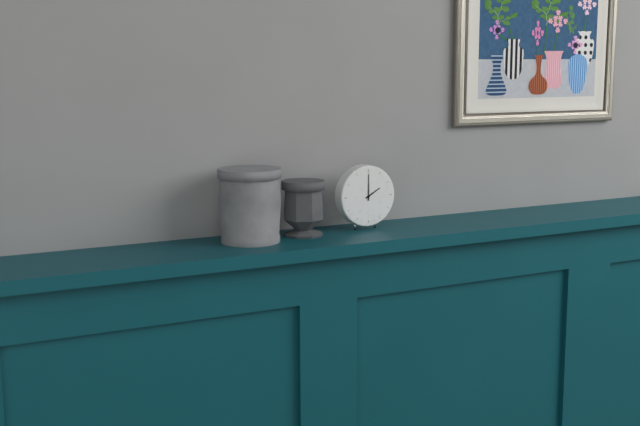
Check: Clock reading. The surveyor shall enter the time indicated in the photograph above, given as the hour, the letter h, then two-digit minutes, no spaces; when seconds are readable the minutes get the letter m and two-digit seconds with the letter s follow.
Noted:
2h00
